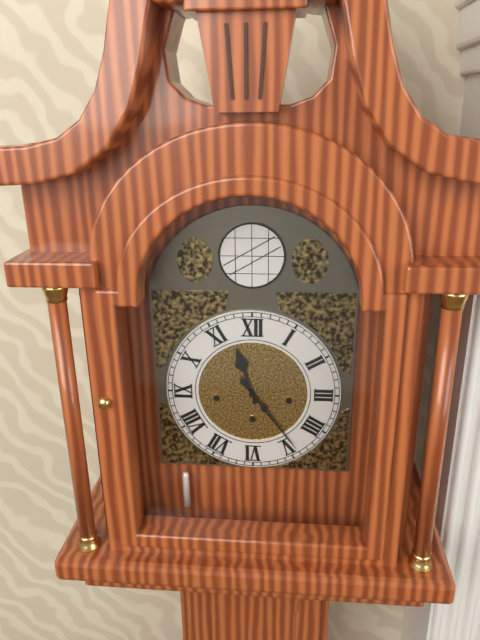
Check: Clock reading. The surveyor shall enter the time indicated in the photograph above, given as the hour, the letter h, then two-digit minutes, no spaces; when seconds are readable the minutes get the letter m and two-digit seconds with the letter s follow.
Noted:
11h24
